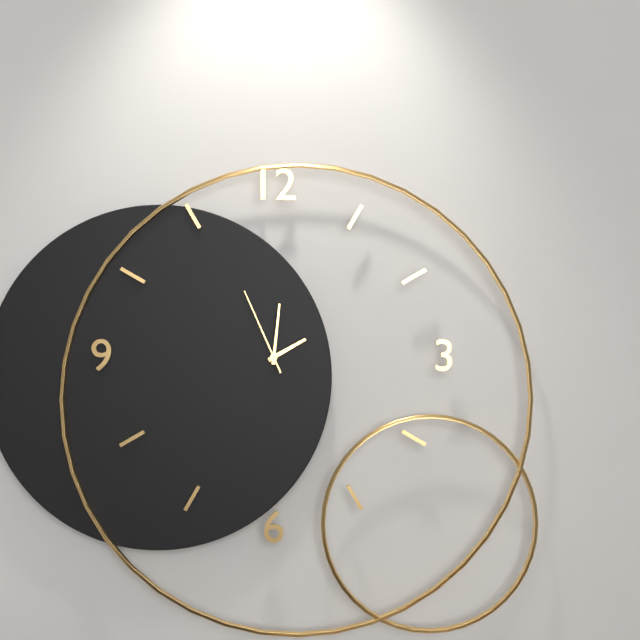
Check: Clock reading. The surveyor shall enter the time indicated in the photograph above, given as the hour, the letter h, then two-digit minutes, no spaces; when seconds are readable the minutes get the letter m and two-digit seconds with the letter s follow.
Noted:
2h01m56s
